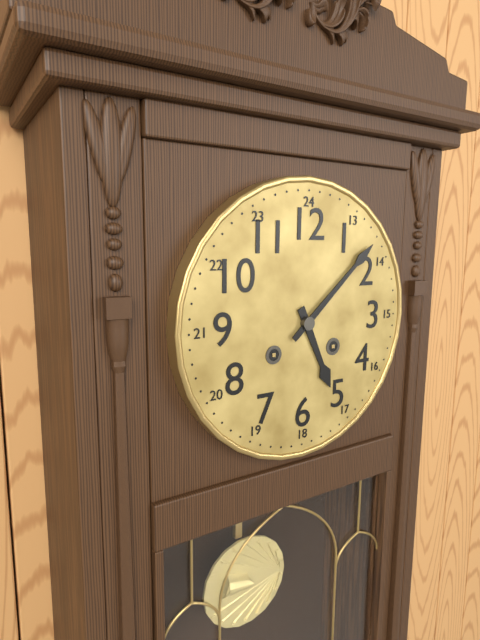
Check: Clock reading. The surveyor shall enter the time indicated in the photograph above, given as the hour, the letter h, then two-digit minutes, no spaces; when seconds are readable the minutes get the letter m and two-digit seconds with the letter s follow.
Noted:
5h08
